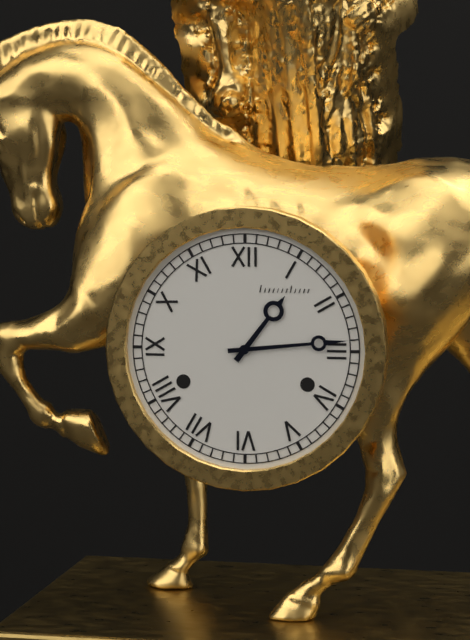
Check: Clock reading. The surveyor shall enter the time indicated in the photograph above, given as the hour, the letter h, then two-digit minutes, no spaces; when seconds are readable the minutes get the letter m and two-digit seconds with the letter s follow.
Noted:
1h14
